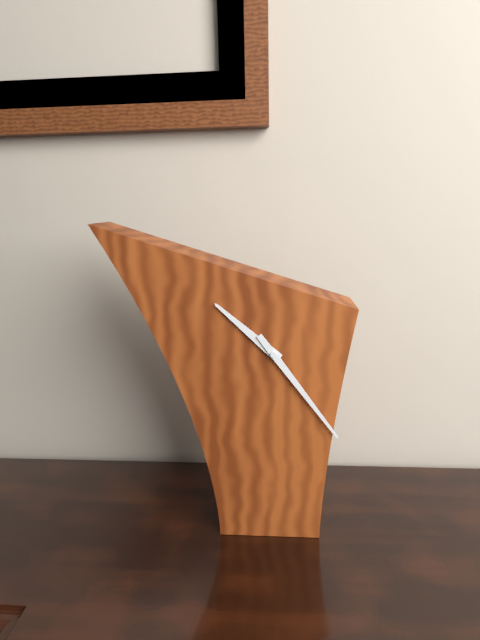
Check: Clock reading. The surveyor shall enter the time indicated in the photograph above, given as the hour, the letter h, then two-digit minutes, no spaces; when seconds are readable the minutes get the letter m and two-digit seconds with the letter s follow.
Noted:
10h24
